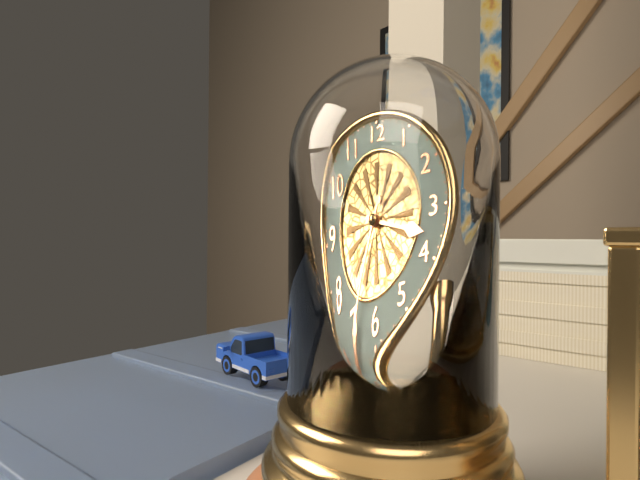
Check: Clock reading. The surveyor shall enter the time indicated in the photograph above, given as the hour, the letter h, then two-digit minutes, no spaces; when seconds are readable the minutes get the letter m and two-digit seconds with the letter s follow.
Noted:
3h34
